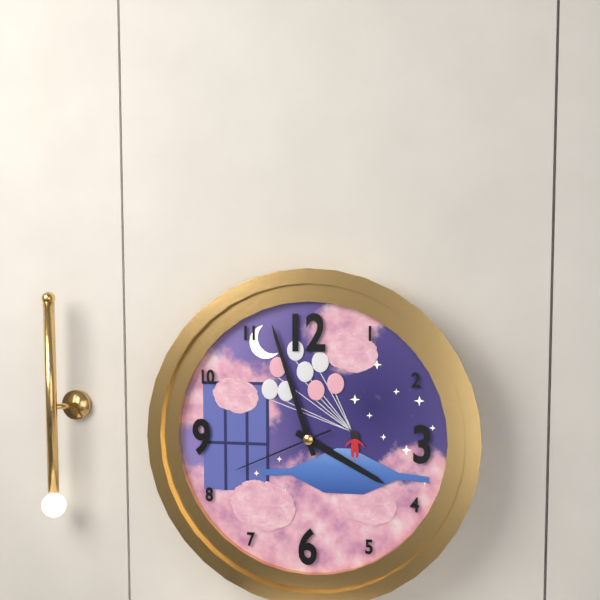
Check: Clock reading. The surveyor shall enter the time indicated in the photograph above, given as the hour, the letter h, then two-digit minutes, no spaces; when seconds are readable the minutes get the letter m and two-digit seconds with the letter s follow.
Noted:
3h57m41s
